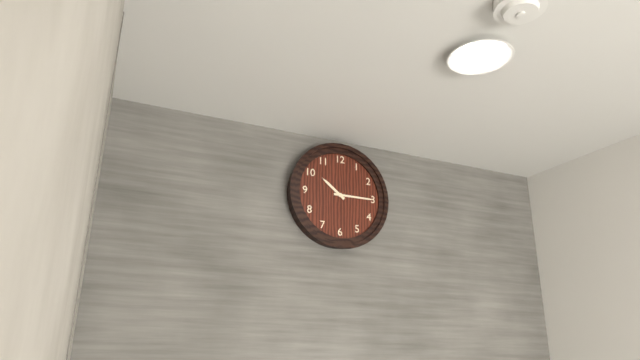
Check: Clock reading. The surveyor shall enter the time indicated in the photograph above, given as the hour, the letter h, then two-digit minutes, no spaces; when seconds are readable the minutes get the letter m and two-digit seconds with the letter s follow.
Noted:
10h15
